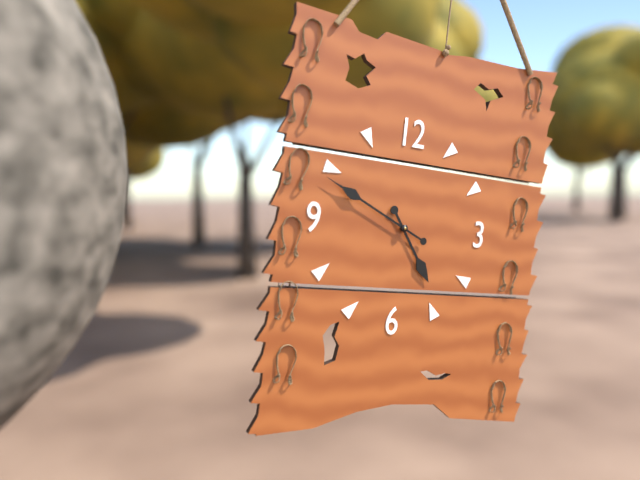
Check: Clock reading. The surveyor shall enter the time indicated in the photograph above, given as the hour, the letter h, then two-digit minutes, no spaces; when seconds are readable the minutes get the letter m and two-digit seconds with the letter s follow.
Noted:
4h49
